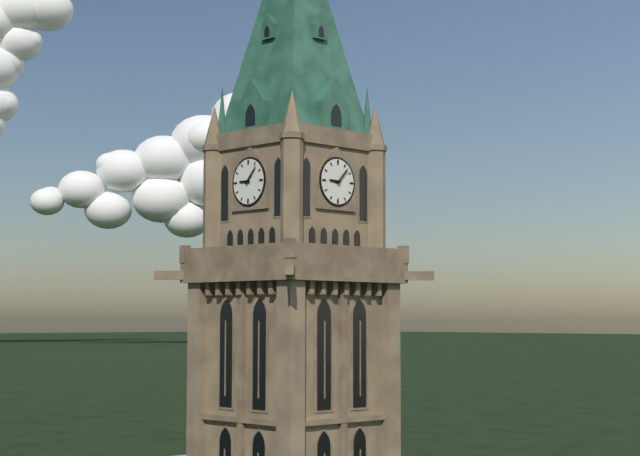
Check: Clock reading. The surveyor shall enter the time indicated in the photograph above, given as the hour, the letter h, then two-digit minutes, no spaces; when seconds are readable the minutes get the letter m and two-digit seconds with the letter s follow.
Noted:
9h07
